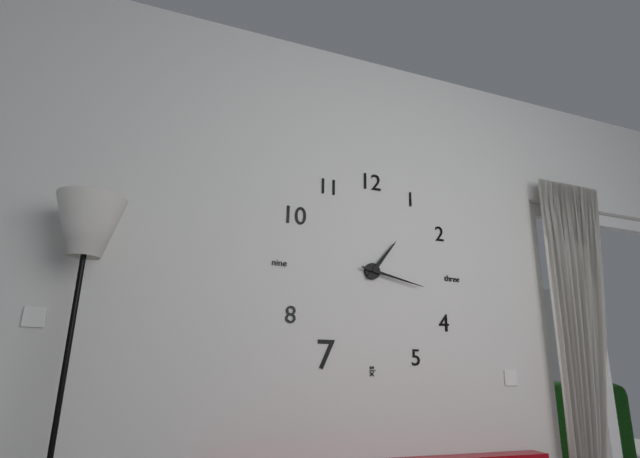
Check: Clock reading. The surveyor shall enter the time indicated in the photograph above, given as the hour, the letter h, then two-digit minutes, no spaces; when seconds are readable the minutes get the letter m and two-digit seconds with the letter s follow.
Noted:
1h17
